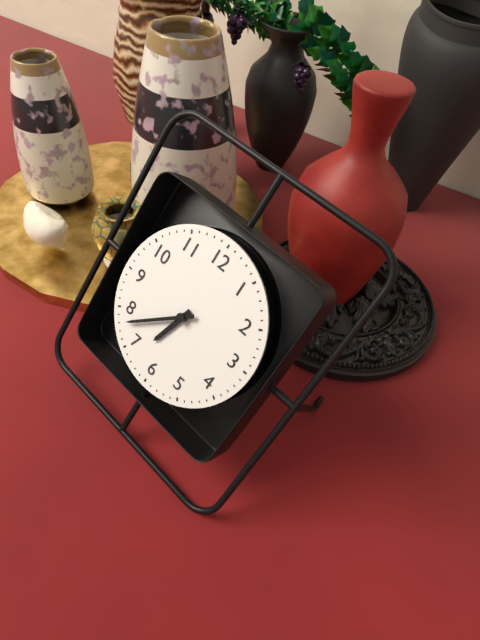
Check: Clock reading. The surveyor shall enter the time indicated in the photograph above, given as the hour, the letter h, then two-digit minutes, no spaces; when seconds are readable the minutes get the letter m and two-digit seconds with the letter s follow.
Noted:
6h38
